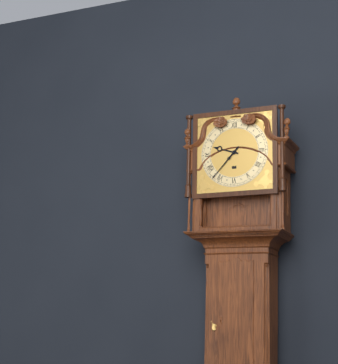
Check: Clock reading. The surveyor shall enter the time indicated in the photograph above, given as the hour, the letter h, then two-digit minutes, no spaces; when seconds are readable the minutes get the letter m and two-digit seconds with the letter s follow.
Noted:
9h37
